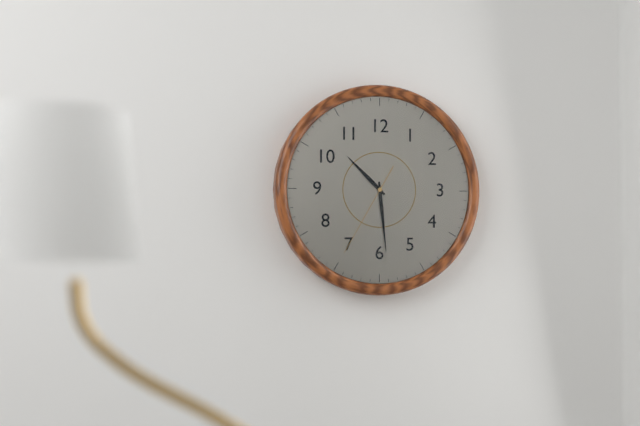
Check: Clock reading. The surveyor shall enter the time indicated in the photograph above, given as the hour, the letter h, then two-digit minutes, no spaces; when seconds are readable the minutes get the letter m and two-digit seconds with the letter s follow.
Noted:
10h29m35s
